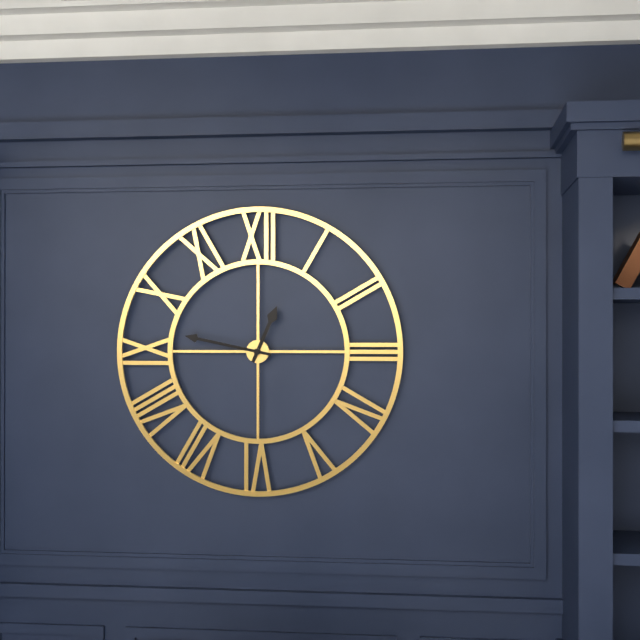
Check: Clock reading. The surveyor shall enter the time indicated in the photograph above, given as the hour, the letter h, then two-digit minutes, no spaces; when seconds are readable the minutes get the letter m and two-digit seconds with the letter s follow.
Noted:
12h47
